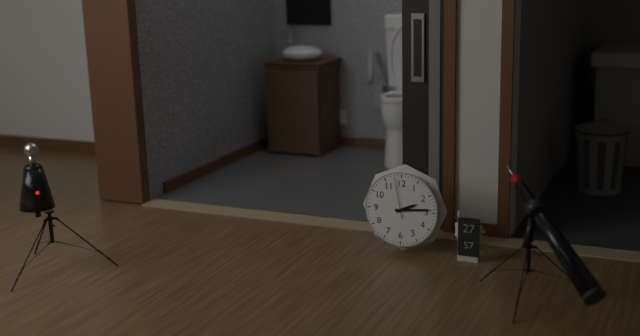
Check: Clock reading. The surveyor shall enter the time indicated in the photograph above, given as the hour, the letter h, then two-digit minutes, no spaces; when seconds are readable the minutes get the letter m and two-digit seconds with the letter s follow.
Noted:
2h14
